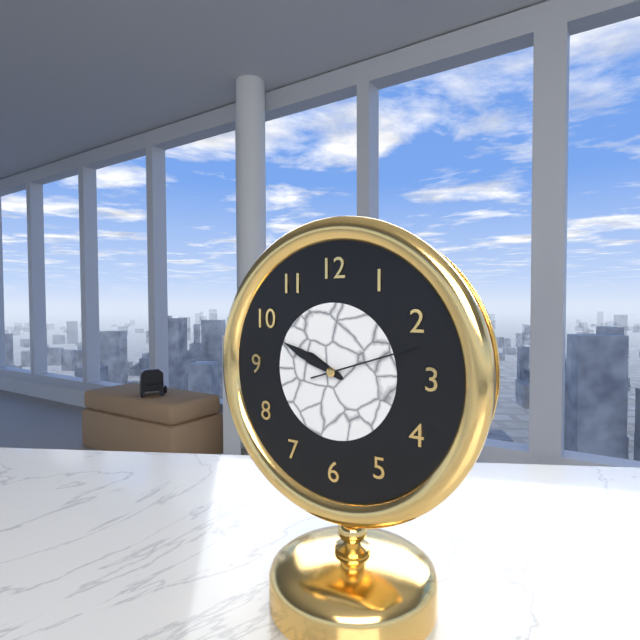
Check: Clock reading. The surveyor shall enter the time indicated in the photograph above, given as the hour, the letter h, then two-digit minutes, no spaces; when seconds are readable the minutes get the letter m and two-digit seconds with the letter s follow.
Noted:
9h49m12s
